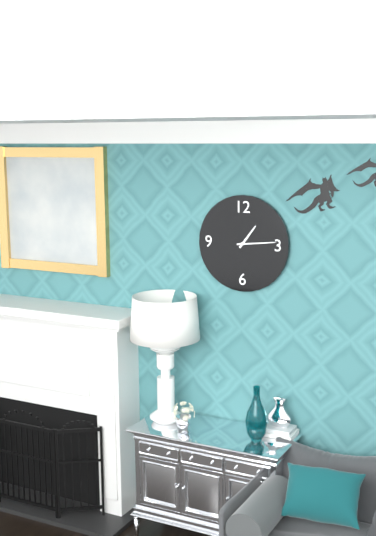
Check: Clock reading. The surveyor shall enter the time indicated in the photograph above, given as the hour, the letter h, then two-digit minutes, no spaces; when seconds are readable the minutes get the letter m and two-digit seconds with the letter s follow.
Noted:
1h14
